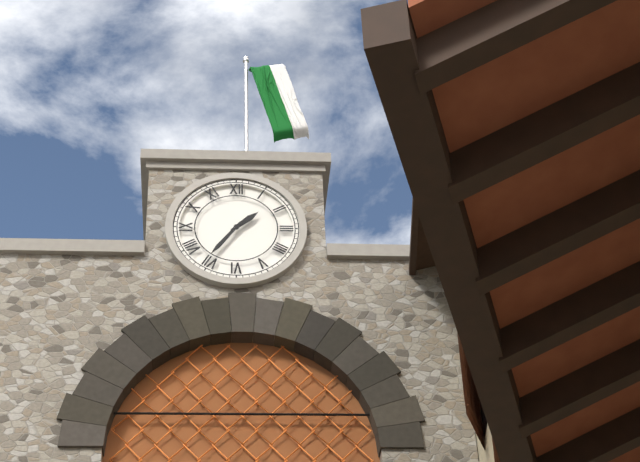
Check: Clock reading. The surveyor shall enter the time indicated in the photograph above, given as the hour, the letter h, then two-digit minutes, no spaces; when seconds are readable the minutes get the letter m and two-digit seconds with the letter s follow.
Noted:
1h36
